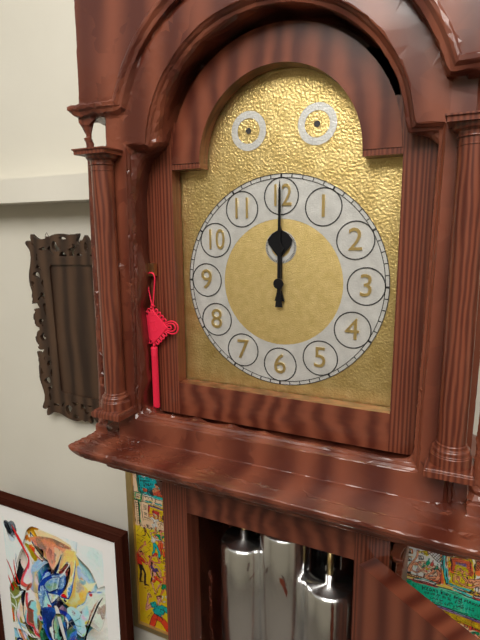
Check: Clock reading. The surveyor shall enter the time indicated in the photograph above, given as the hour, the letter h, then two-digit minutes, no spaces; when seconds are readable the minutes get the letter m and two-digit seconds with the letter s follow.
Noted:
12h00
